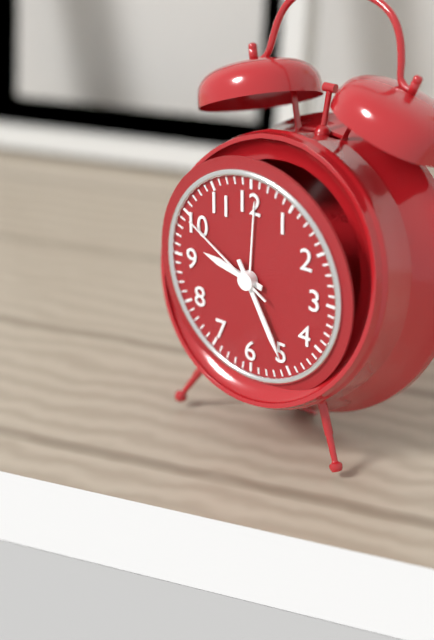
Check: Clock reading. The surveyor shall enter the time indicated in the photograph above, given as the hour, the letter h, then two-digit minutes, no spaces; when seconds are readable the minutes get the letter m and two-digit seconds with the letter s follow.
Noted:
9h25m50s
